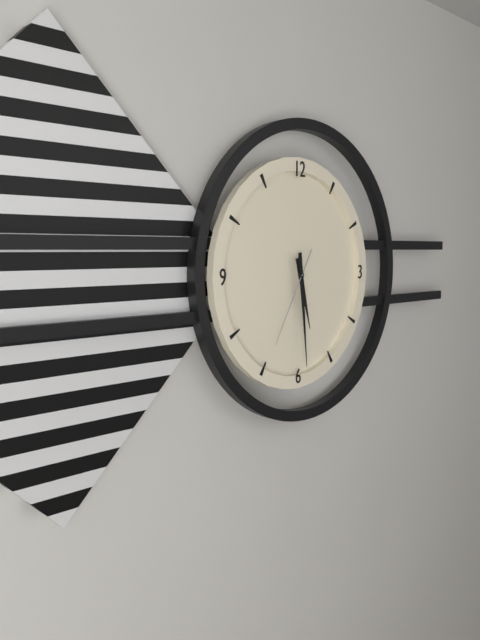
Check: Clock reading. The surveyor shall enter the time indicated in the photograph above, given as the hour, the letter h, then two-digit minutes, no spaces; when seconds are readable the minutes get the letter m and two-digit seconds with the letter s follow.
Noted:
5h29m35s
